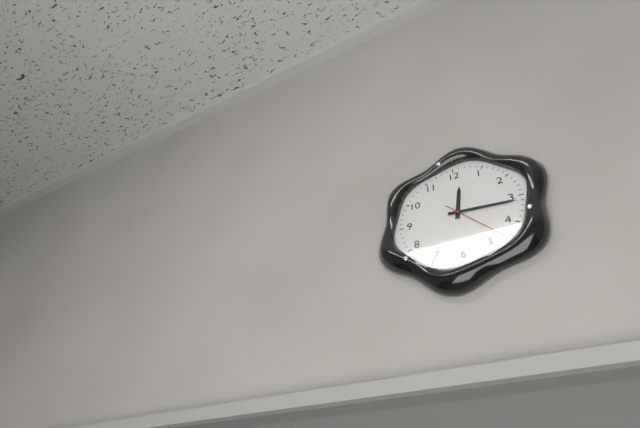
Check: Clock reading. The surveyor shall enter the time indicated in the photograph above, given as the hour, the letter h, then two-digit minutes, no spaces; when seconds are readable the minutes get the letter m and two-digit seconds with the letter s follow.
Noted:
12h16m23s
